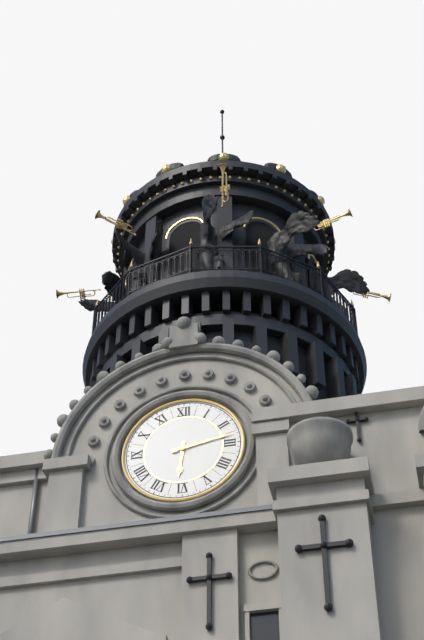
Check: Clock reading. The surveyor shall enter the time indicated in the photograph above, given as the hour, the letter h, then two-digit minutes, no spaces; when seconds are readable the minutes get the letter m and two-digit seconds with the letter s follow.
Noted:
6h13
